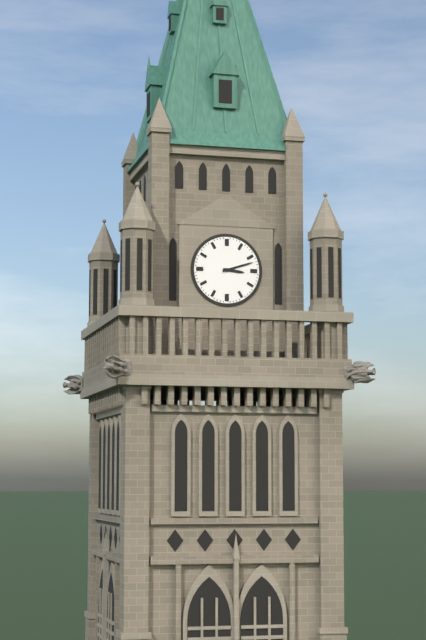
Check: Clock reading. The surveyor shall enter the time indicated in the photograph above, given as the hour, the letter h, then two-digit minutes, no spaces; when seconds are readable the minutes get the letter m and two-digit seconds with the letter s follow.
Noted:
3h12
